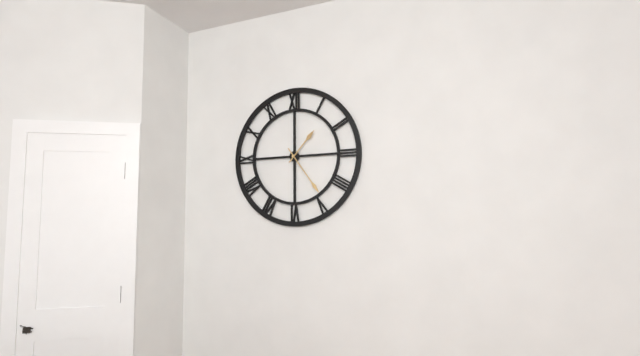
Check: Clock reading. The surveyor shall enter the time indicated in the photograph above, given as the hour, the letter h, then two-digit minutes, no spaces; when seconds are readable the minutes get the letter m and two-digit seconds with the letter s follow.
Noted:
1h24
